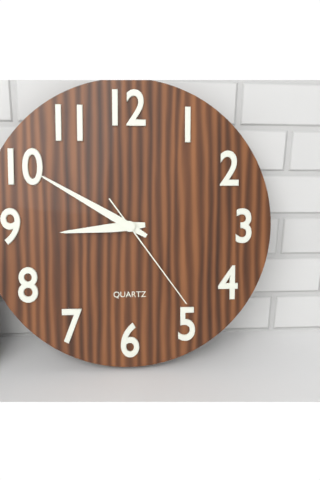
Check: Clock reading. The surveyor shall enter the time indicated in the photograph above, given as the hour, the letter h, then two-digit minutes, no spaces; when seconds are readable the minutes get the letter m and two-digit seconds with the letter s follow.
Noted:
8h50m24s
